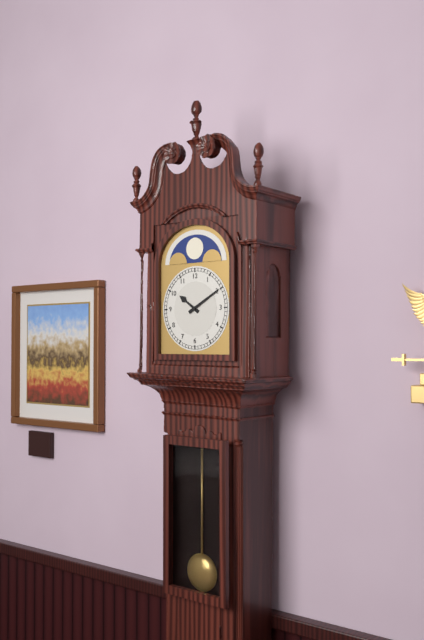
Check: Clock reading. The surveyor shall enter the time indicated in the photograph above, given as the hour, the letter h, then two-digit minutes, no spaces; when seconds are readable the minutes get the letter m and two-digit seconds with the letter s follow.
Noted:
10h10
